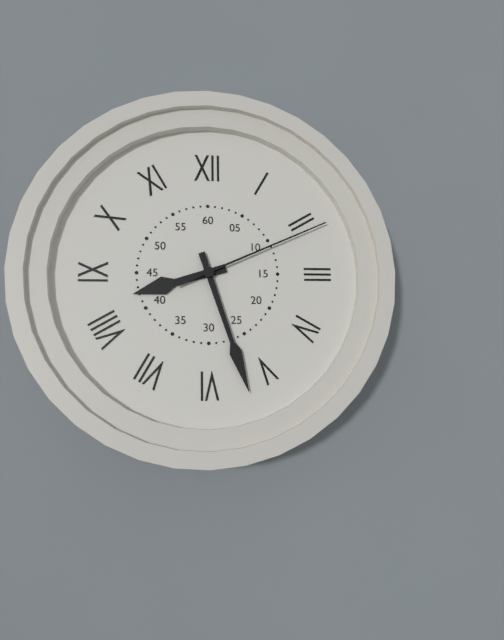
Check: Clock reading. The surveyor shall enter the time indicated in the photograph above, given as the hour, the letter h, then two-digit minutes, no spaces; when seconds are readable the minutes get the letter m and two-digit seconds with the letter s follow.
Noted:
8h27m11s
